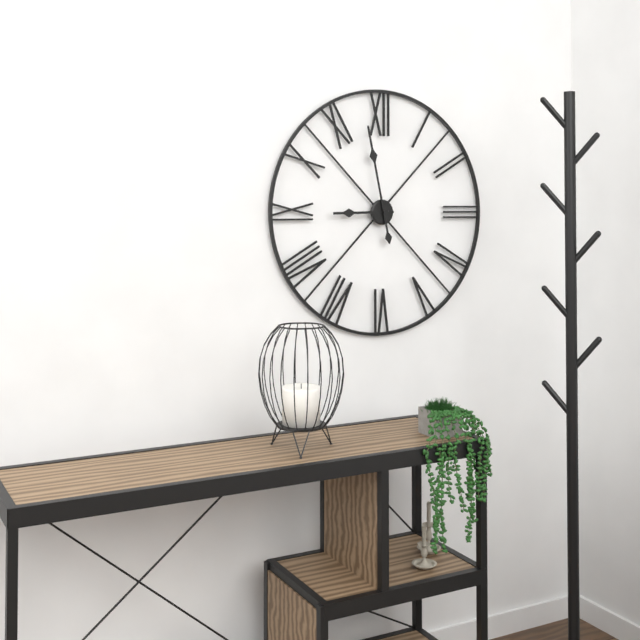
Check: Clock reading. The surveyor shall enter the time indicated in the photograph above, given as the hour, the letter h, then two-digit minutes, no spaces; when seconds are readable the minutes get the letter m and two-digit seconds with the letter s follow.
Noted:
8h58
